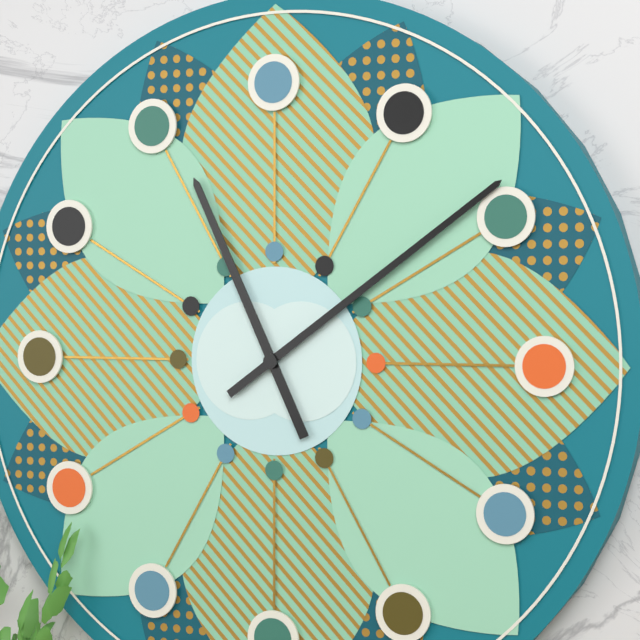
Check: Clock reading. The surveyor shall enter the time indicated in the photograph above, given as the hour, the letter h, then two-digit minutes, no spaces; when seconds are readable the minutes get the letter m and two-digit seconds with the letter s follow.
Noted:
11h09
